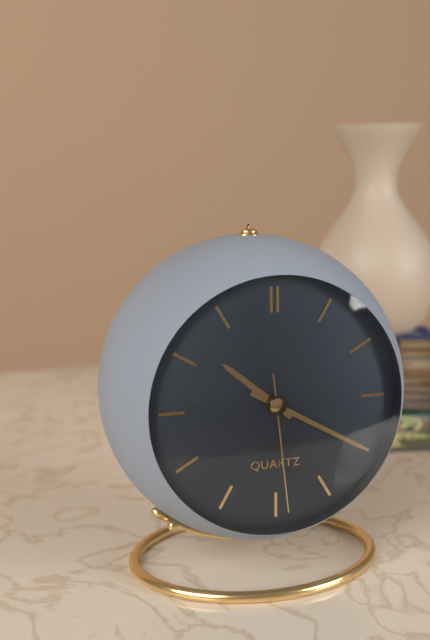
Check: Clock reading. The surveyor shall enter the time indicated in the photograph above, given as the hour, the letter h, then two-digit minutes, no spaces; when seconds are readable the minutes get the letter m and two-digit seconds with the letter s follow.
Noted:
10h20m29s
